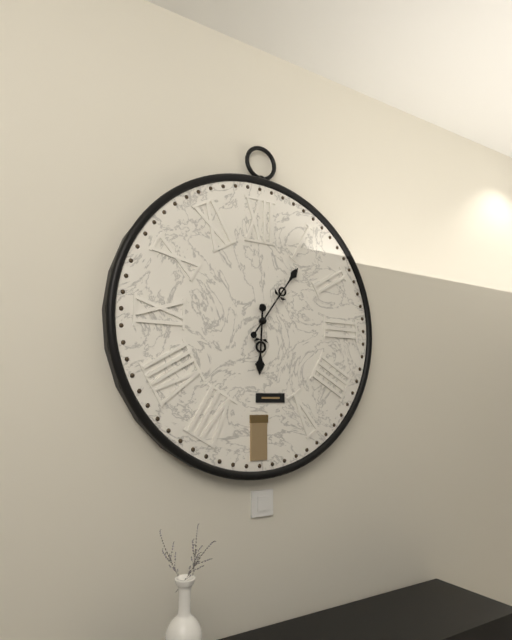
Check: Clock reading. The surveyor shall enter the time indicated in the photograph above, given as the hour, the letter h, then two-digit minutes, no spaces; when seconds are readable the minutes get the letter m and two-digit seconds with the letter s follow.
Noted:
6h06
